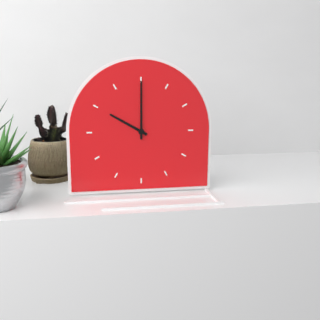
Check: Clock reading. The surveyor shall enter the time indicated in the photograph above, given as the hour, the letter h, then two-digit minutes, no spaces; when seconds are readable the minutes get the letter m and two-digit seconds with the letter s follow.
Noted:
10h00
